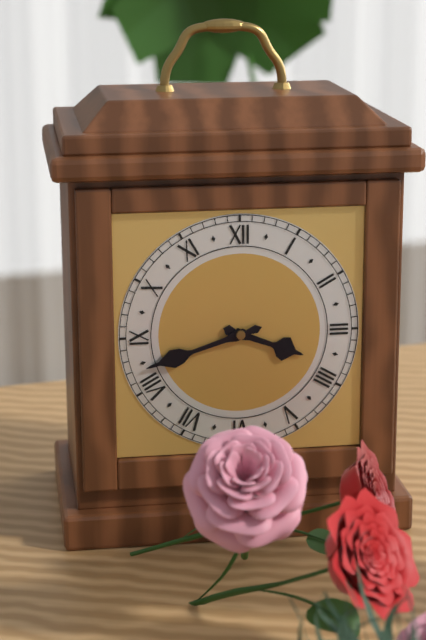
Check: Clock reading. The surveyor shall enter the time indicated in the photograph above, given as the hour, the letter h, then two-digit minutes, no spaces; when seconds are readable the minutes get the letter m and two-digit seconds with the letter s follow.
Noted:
3h42
